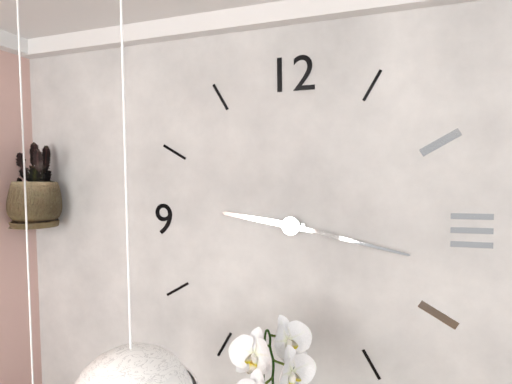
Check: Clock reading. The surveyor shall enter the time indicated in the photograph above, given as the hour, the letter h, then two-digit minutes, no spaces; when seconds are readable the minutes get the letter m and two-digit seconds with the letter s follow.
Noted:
9h17
